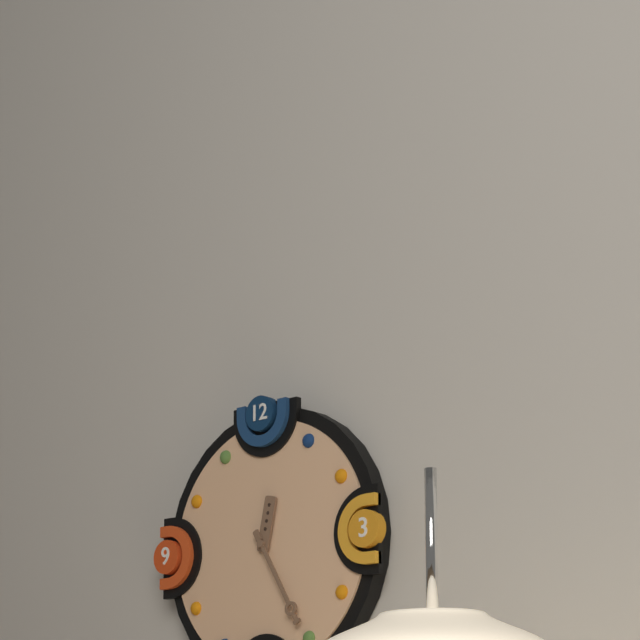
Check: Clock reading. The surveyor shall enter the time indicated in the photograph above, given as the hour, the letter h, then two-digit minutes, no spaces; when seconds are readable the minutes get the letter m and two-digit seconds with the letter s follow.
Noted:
12h25
